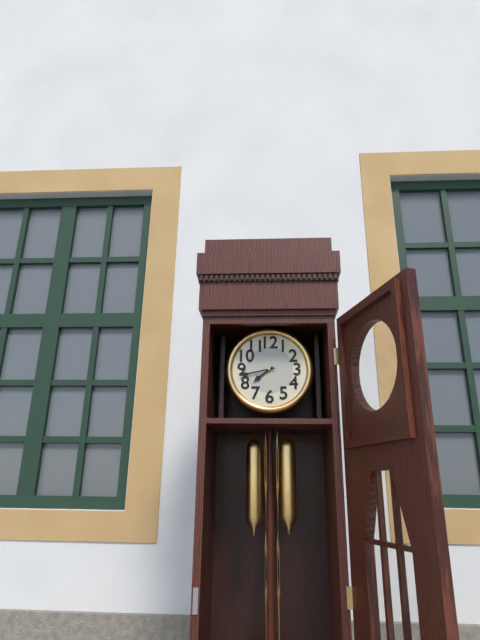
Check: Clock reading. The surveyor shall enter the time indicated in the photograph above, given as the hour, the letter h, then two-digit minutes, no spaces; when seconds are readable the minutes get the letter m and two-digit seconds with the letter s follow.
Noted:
7h43
